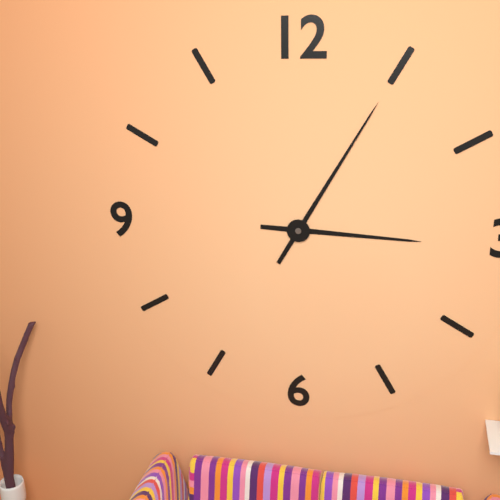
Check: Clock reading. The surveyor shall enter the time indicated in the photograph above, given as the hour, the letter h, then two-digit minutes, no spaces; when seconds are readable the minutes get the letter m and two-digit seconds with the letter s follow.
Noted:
3h05
